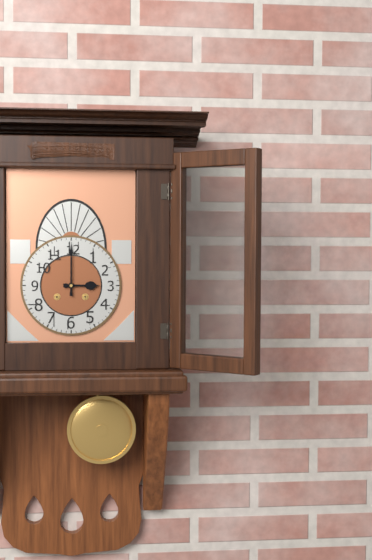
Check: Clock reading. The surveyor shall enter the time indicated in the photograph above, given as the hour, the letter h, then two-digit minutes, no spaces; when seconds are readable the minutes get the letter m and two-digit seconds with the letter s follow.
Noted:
3h00
